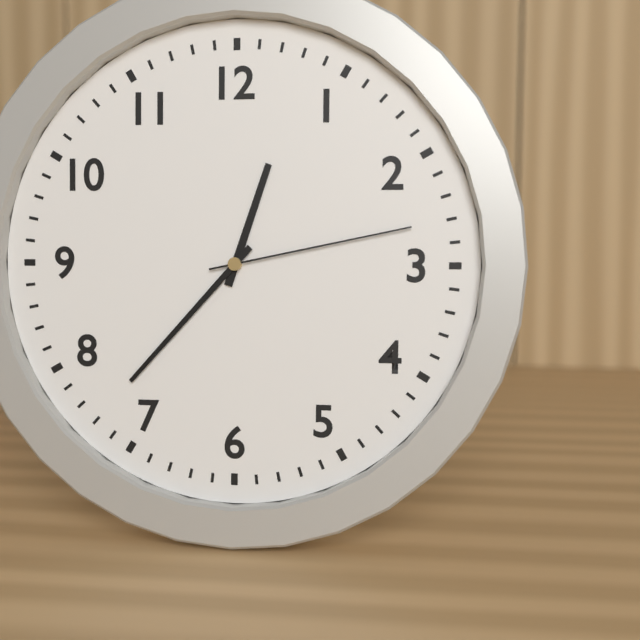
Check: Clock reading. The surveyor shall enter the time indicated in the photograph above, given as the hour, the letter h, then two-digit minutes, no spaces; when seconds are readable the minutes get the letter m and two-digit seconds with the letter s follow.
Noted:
12h37m13s
